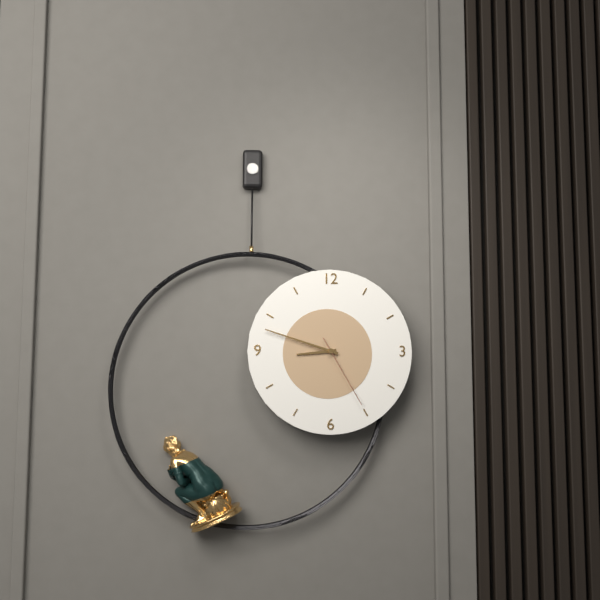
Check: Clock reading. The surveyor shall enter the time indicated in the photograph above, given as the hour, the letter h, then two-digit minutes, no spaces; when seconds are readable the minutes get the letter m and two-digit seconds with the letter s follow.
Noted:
8h48m25s
